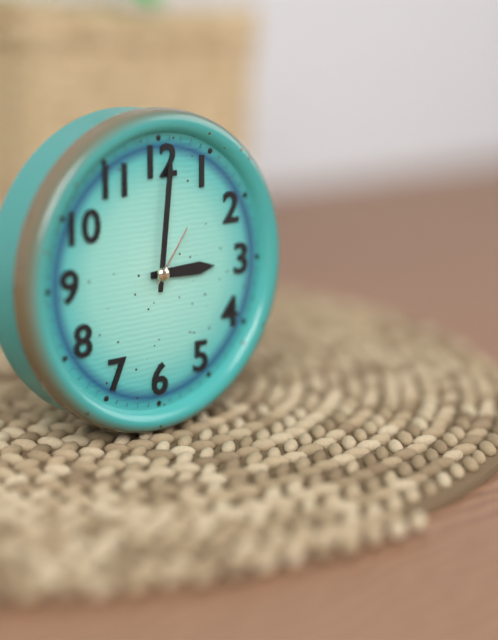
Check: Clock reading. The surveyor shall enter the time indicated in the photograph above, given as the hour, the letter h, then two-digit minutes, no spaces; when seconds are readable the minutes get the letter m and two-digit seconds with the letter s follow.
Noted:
3h01m06s
